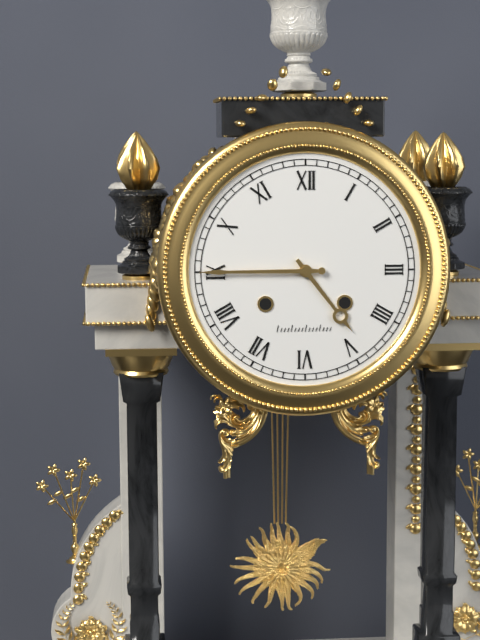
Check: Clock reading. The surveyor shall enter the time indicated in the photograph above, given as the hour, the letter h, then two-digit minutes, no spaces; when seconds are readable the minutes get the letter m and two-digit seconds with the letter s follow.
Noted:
4h45
